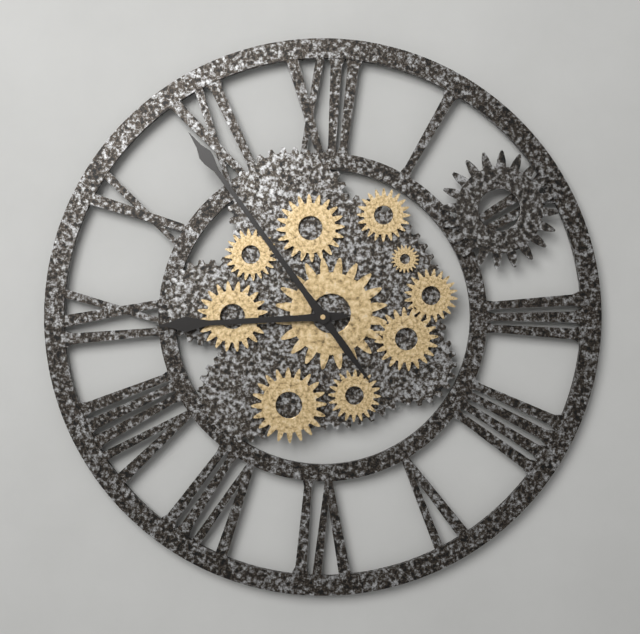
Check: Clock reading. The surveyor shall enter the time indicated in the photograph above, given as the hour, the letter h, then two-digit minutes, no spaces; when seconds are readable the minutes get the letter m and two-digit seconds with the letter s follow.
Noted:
8h54
